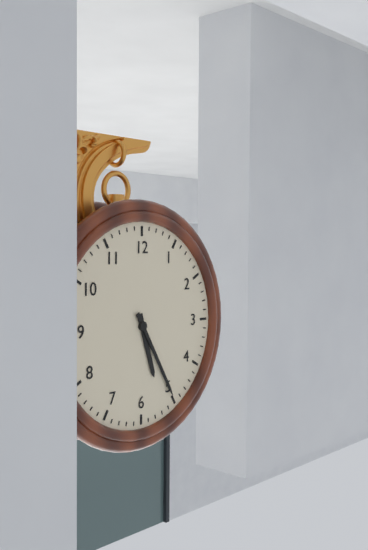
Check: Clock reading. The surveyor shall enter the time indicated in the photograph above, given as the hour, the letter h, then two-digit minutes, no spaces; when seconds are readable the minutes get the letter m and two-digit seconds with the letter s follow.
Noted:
5h25
